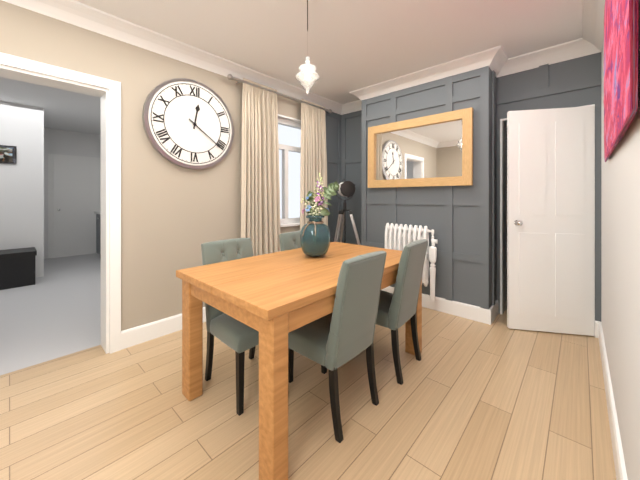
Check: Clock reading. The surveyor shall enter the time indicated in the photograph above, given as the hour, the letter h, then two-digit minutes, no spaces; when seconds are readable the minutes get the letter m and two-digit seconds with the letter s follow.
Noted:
12h21
